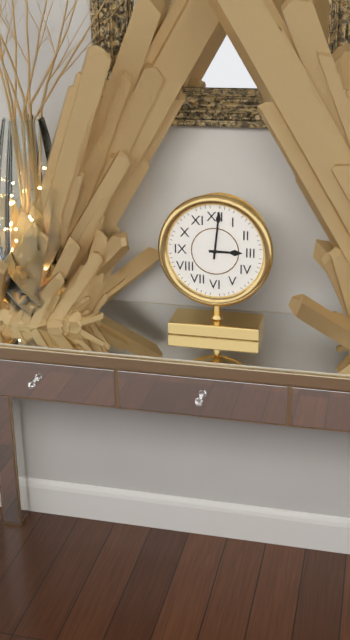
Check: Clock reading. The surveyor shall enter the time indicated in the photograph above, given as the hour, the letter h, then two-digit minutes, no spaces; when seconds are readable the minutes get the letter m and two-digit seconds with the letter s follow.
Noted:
3h01
